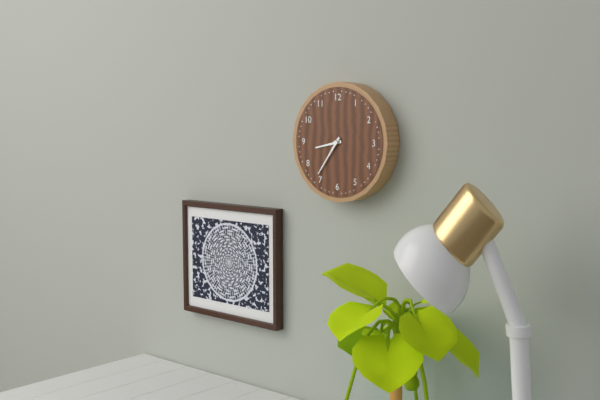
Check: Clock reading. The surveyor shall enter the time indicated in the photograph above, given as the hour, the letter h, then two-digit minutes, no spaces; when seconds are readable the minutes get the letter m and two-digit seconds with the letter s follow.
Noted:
8h36
